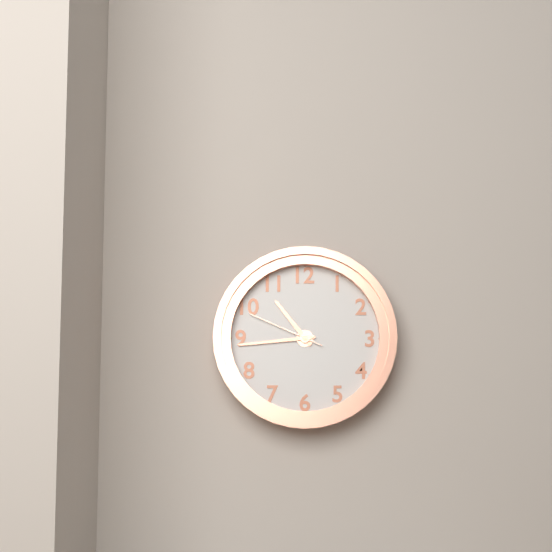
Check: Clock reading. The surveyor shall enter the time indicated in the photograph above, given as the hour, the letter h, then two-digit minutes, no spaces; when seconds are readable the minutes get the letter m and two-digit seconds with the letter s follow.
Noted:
10h44m49s
